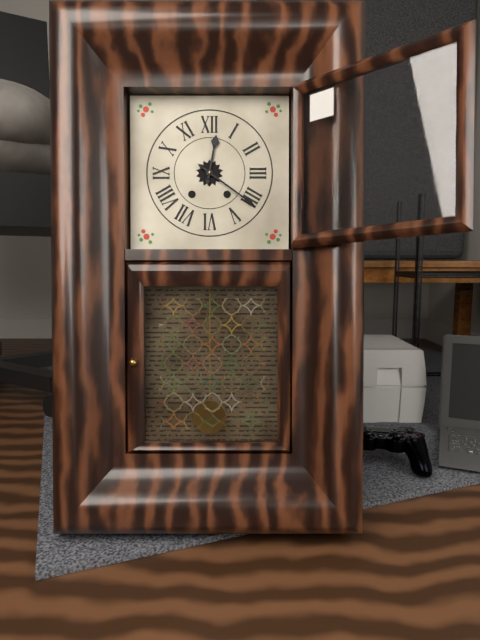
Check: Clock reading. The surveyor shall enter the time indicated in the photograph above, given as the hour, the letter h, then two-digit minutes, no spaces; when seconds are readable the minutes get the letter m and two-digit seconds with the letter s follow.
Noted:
12h21
